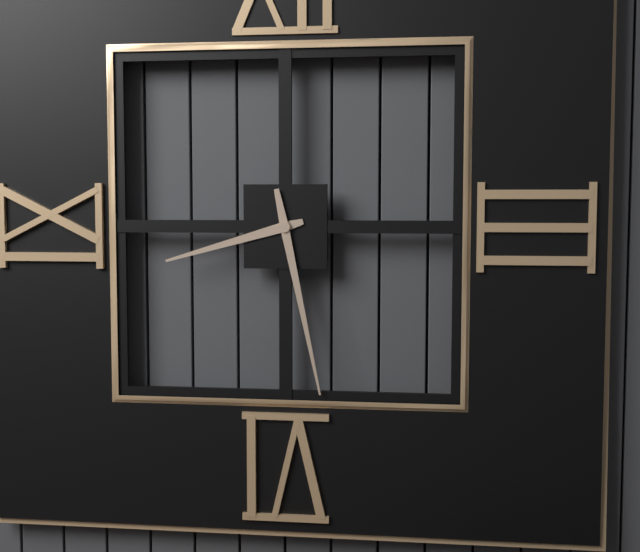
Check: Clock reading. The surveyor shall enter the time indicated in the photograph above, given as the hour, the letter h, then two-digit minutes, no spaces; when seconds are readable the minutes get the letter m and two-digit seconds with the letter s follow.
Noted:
8h28
